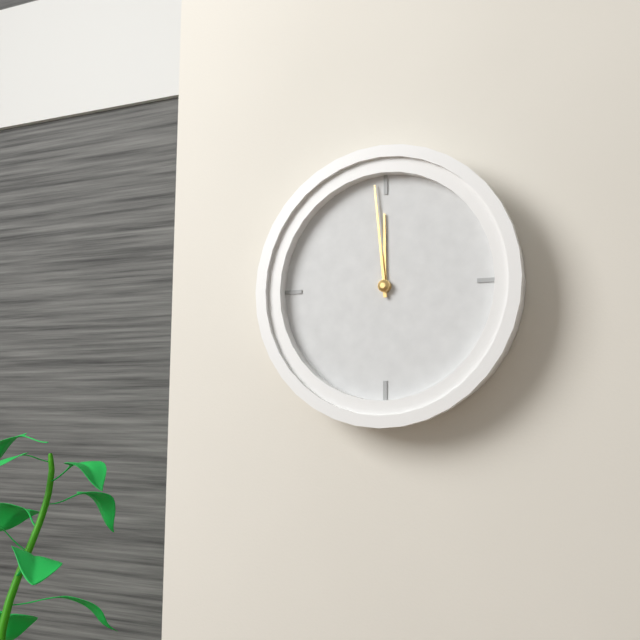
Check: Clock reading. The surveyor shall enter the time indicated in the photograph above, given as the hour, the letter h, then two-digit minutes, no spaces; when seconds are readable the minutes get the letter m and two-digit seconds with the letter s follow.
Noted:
11h59
